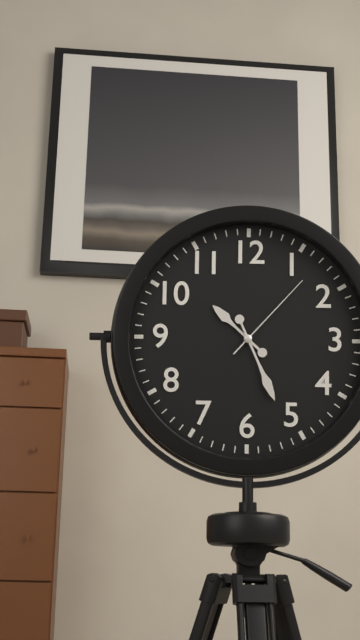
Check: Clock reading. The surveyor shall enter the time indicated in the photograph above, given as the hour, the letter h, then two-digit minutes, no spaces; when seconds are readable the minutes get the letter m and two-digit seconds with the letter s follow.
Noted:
10h26m07s
